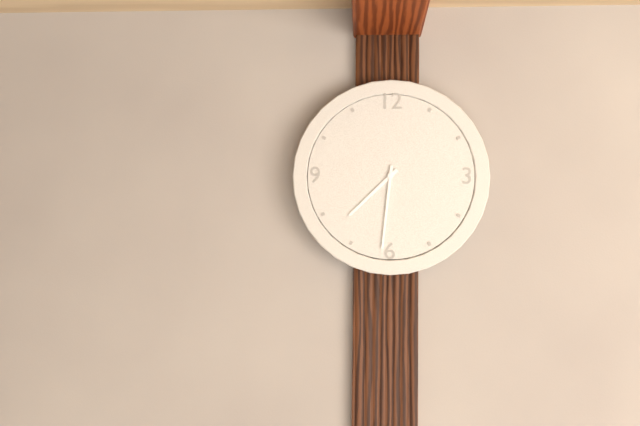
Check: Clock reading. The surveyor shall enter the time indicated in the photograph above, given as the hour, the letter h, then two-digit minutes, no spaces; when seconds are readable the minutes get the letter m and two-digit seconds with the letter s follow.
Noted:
7h31
